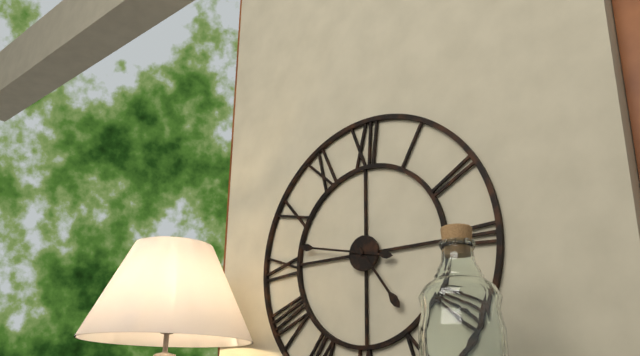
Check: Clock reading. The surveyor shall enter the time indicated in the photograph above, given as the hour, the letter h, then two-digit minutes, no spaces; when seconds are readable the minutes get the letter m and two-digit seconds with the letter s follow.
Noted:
4h47
